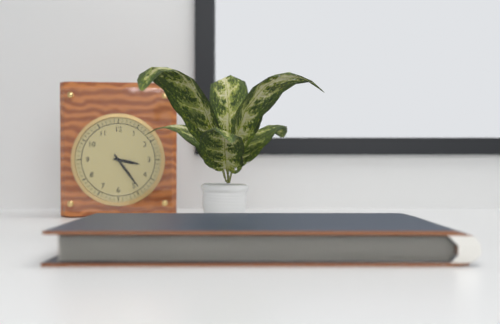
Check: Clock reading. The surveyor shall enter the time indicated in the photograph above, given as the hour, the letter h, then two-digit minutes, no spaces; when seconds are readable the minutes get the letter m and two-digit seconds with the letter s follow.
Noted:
3h24
